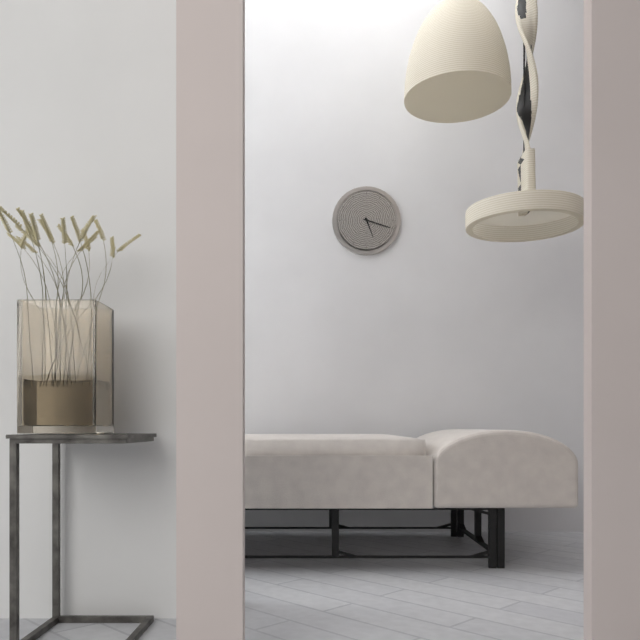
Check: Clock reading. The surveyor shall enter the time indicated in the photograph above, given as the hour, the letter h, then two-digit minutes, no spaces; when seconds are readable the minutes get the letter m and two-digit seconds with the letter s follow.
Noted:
5h18
